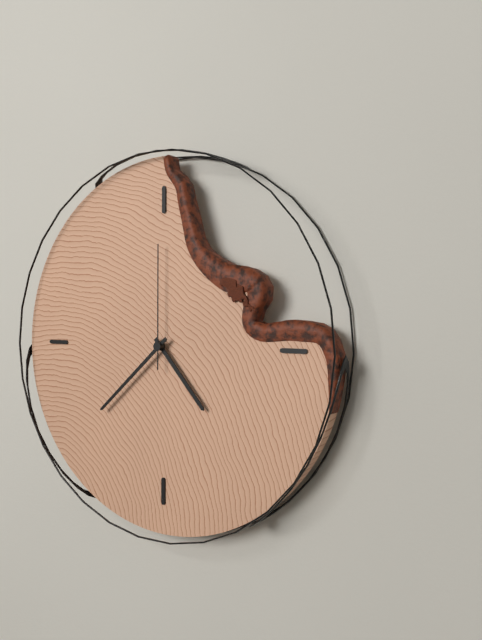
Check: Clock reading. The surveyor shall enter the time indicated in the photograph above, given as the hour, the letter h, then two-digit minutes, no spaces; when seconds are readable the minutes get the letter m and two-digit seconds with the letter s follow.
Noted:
4h38m00s
